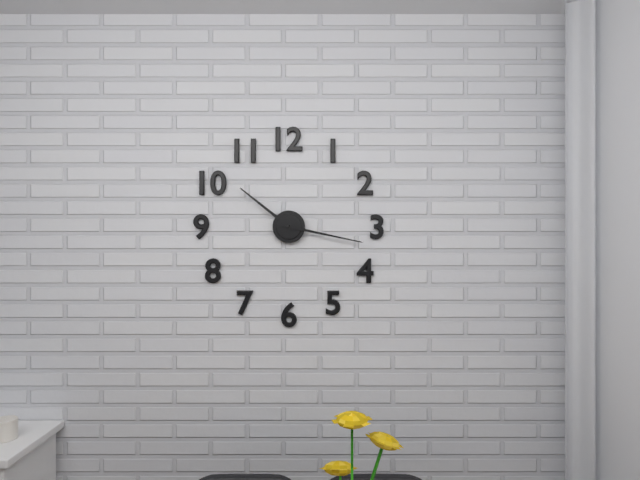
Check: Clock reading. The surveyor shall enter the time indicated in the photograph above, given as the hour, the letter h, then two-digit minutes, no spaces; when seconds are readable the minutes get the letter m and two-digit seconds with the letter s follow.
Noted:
10h17
